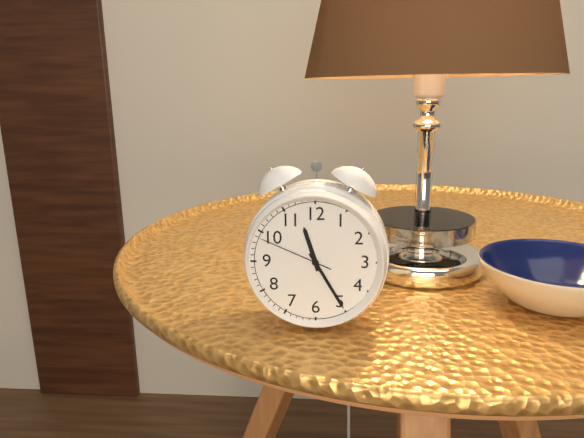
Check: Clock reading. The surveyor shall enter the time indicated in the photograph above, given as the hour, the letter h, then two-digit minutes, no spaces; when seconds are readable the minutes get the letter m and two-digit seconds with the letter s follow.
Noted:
11h25m49s
